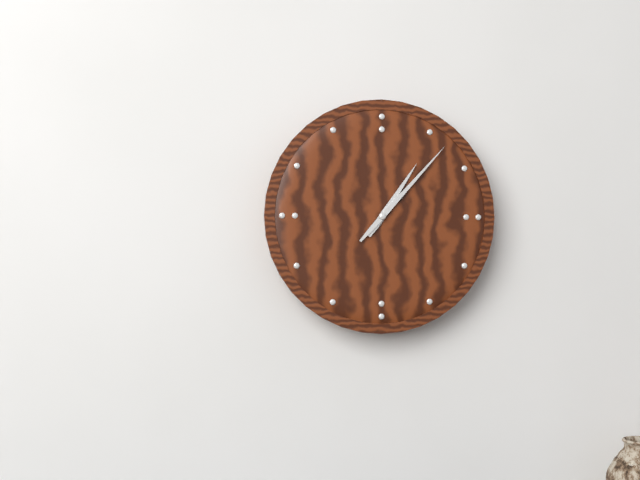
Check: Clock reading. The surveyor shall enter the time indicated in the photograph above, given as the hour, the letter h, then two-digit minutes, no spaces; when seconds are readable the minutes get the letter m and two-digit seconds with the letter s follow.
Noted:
1h07
